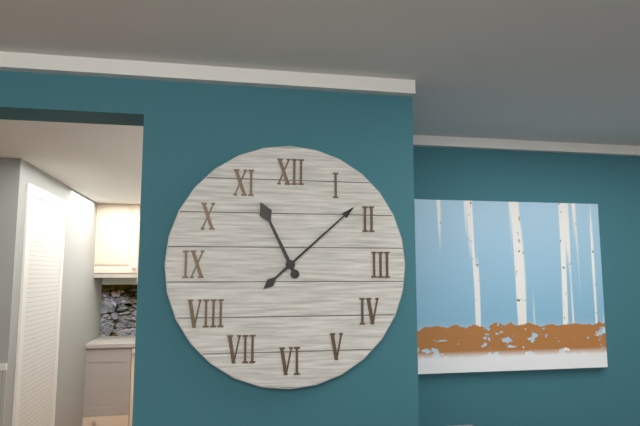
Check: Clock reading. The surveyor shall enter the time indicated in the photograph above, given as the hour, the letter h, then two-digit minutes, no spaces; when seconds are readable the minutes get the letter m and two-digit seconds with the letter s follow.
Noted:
11h08
